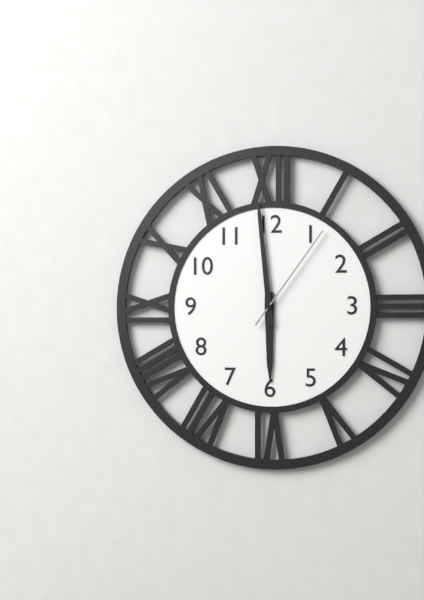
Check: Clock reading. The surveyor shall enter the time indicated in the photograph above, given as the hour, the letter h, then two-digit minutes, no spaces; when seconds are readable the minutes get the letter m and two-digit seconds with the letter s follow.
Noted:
5h59m06s
